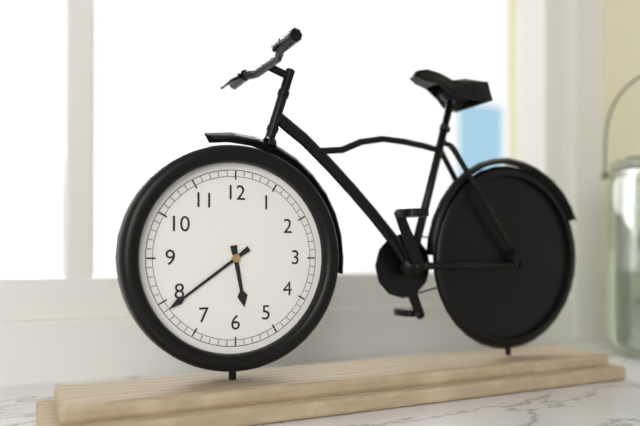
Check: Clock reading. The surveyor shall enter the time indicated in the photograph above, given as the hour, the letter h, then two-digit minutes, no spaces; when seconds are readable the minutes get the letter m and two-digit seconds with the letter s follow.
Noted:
5h39
